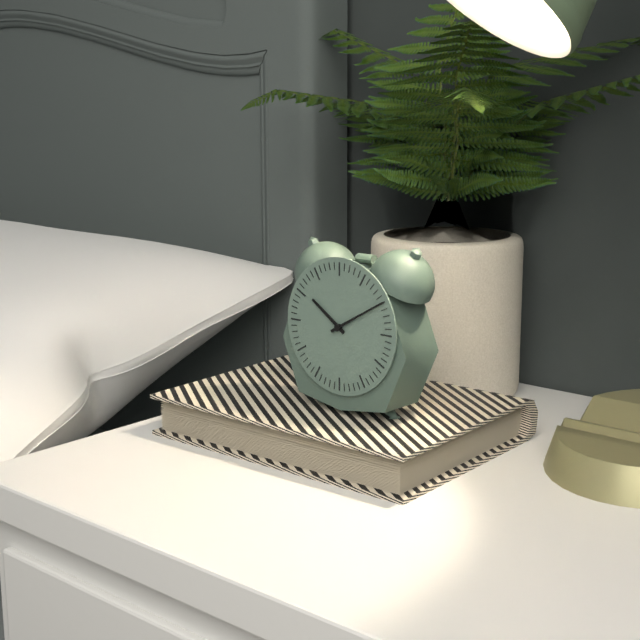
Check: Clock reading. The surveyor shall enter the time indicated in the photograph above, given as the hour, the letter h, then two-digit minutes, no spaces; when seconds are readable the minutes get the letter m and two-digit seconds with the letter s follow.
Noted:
10h10
